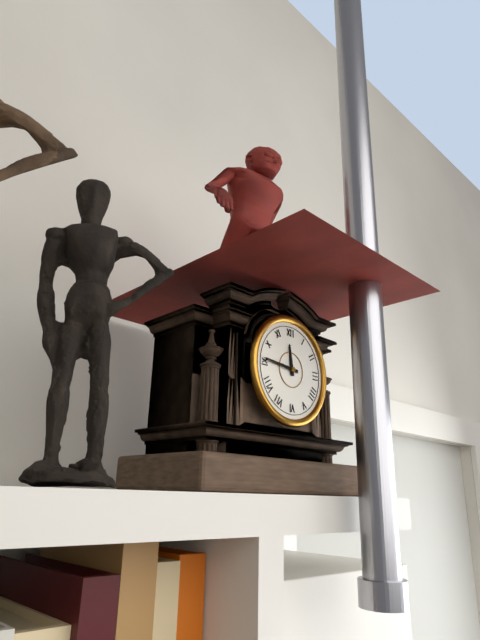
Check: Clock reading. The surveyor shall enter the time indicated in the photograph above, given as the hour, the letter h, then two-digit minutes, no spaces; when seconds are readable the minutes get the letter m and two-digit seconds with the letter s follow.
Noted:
11h46
